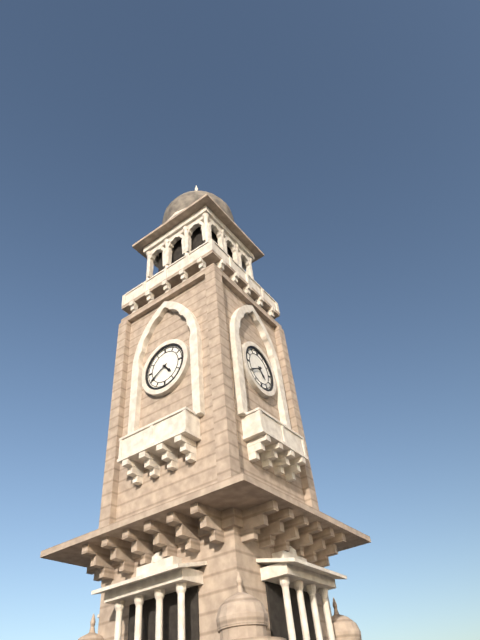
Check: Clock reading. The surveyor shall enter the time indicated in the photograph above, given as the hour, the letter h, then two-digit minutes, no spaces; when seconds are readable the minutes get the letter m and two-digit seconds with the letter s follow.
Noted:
4h40
